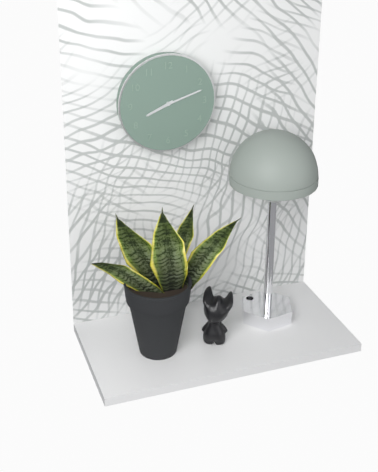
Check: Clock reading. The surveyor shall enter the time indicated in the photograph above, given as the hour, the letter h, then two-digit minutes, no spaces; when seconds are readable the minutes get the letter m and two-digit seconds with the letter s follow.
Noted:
8h12
